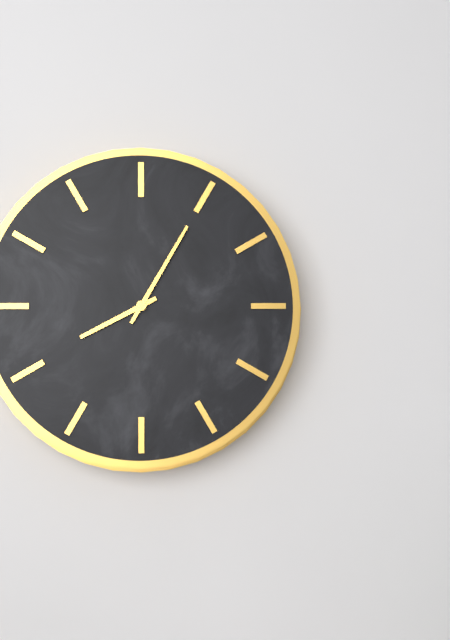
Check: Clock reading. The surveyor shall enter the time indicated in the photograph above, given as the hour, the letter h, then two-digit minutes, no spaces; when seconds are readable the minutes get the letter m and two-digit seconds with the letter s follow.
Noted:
8h05
